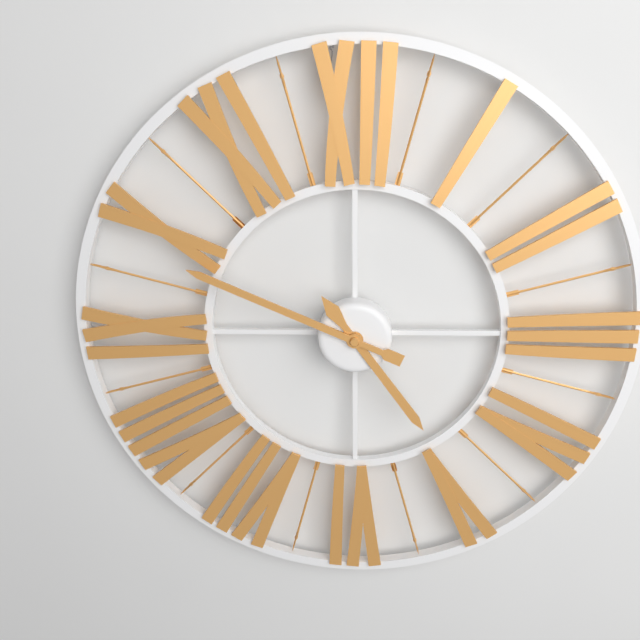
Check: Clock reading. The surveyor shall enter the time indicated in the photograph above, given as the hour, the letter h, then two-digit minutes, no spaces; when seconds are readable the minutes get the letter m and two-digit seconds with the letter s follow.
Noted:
4h49
